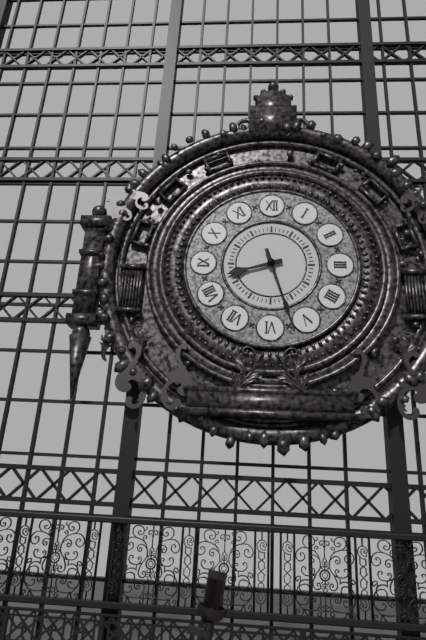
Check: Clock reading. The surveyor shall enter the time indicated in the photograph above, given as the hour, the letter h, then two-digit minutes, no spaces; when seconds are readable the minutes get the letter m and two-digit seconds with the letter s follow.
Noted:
8h27
